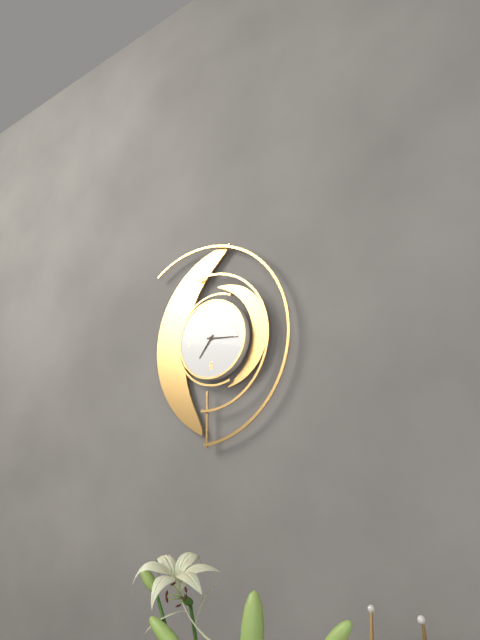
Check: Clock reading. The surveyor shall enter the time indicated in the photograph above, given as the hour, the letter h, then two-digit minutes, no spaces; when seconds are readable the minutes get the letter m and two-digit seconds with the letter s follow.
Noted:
7h16
